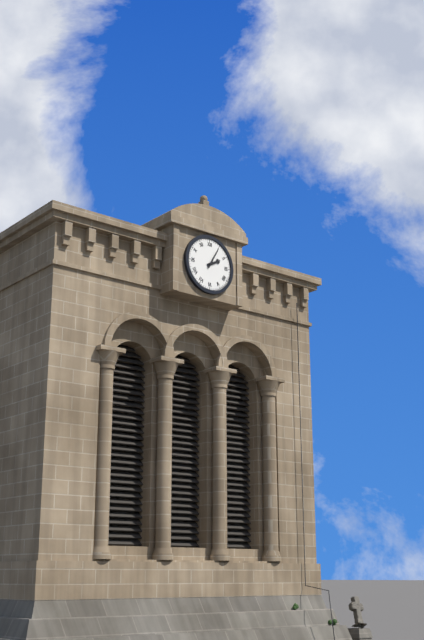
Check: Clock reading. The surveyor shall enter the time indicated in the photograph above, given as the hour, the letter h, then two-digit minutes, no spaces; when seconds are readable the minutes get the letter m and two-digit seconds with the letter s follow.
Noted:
2h05
